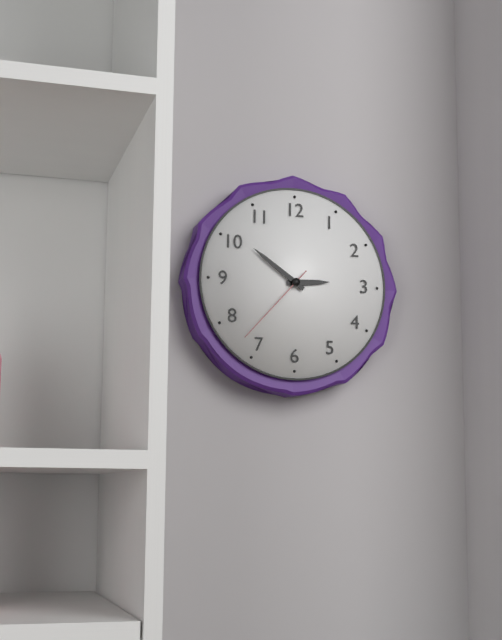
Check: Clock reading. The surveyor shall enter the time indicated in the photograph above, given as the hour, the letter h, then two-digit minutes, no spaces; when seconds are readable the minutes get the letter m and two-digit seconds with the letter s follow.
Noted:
2h51m37s
